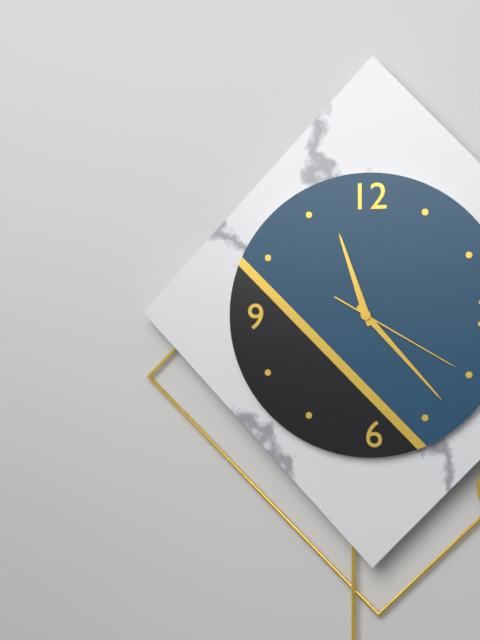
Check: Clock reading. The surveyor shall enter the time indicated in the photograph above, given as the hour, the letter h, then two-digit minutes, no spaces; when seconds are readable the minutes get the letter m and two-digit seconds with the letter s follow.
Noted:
11h23m20s
